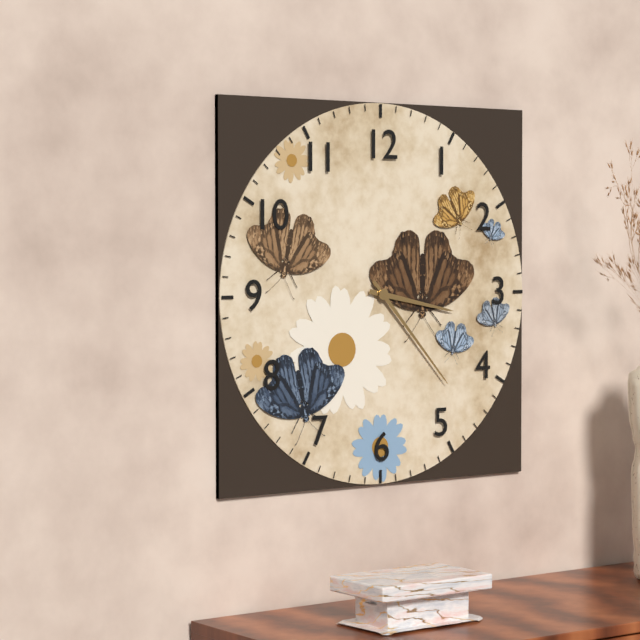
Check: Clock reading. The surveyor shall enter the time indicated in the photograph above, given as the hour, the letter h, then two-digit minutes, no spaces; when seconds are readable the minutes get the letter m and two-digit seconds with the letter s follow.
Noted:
3h23
